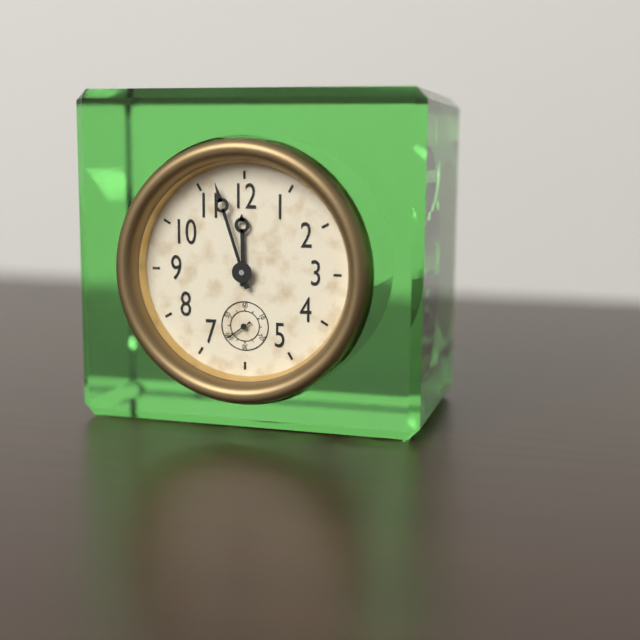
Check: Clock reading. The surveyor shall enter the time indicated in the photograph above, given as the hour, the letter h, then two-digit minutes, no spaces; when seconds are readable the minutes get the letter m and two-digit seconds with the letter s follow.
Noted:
11h57
